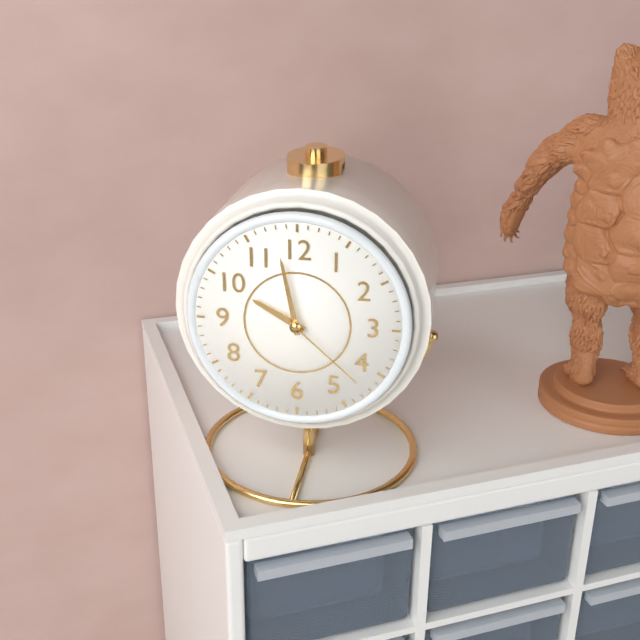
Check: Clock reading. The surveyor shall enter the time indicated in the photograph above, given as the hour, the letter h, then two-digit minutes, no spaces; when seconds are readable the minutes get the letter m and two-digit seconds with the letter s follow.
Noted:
9h58m22s
